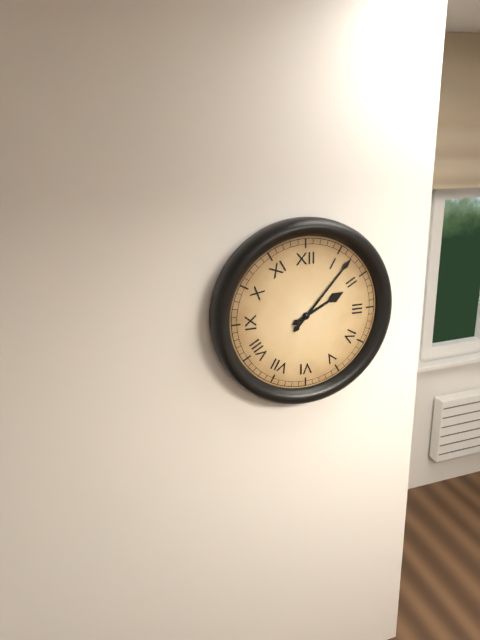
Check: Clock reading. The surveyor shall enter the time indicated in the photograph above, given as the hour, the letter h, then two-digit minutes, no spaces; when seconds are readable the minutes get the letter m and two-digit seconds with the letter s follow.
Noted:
2h07
